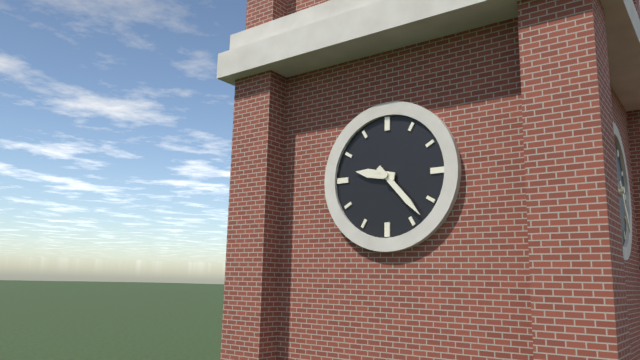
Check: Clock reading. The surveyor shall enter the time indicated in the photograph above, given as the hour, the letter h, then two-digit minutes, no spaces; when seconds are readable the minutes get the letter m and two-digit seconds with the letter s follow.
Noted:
9h23
